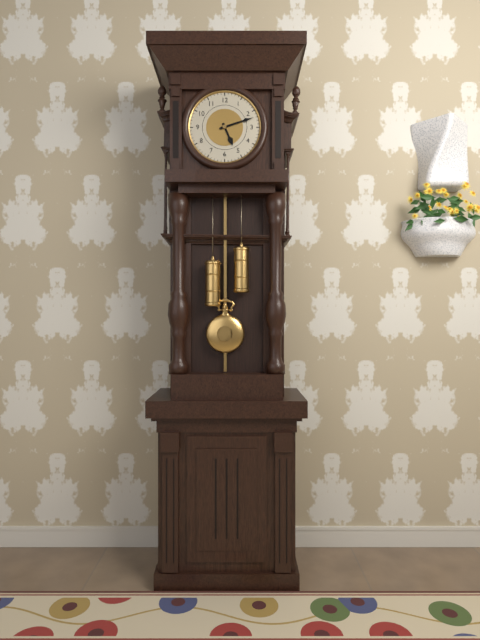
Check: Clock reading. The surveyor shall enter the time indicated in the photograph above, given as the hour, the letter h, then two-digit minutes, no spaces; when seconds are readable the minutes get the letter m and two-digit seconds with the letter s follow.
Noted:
5h12
